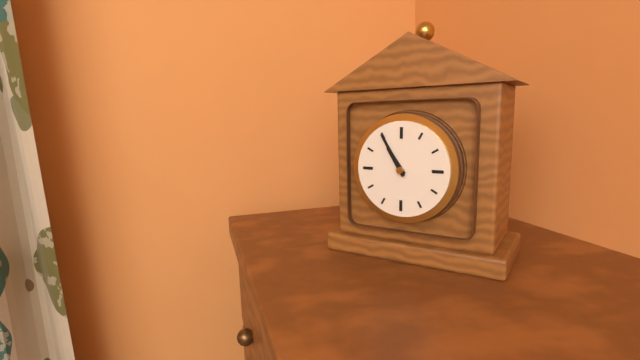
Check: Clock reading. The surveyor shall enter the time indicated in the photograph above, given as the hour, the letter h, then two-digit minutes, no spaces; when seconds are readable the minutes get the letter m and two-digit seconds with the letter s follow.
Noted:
10h55
